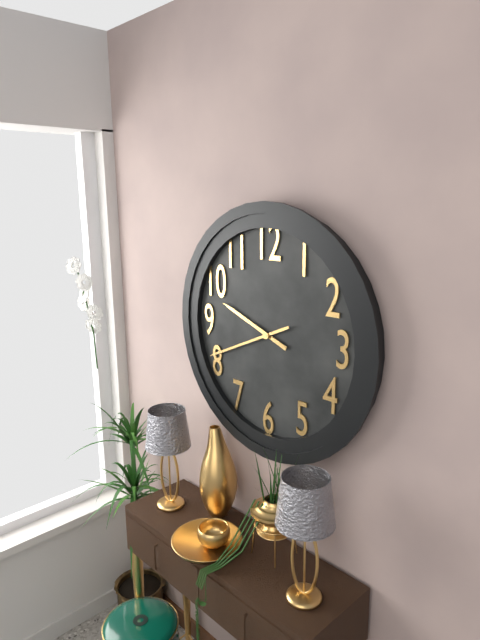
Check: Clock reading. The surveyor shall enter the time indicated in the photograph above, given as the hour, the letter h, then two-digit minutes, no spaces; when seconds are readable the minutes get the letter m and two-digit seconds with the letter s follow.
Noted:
9h41
